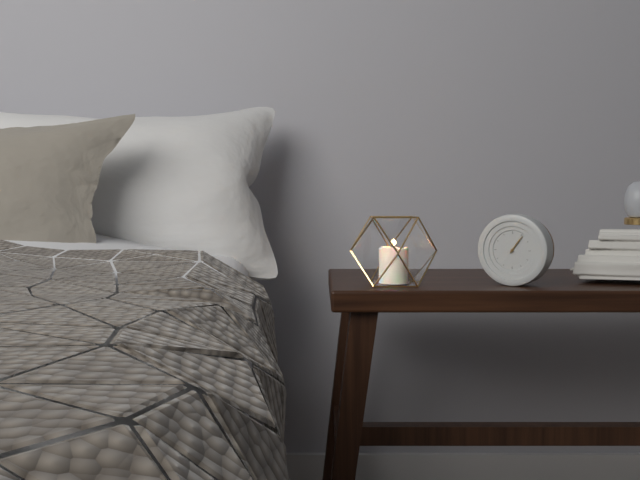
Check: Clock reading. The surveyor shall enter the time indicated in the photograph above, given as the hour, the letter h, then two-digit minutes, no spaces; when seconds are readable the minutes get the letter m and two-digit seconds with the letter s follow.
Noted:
1h06
